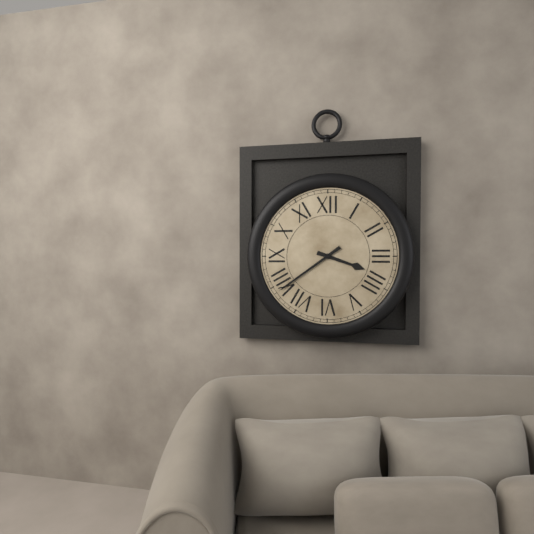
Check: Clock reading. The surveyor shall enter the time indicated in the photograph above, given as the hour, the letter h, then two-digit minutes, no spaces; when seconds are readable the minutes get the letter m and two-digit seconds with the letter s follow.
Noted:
3h39
